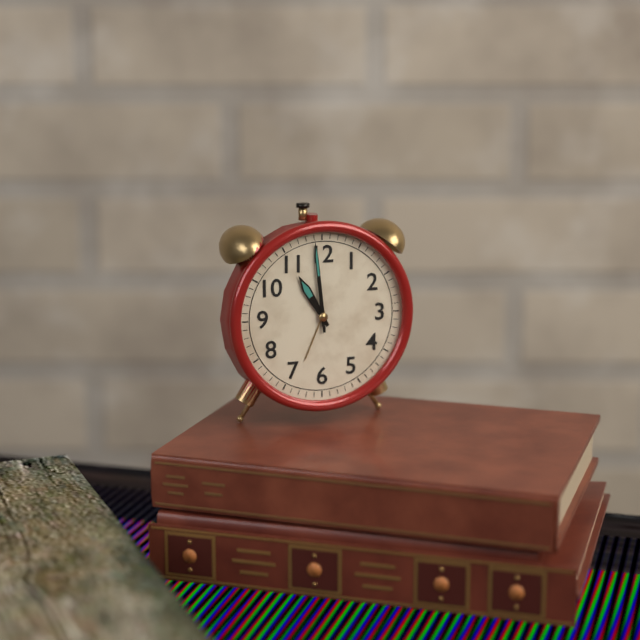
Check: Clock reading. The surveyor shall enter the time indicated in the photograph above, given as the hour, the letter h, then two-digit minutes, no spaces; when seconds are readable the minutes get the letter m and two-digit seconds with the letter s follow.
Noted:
10h59
